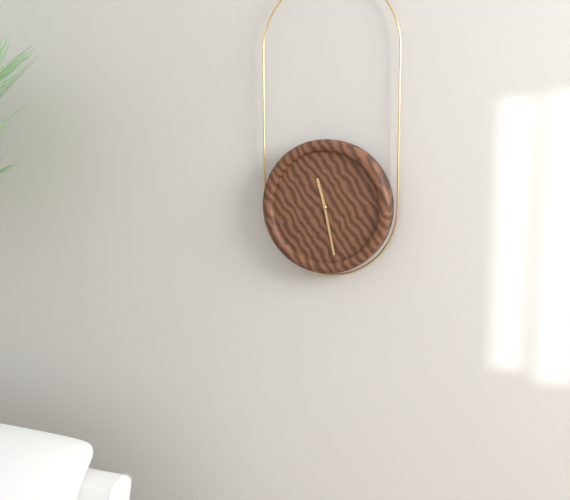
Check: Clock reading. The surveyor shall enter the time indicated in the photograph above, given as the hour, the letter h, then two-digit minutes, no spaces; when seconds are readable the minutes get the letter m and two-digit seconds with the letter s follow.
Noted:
11h28
